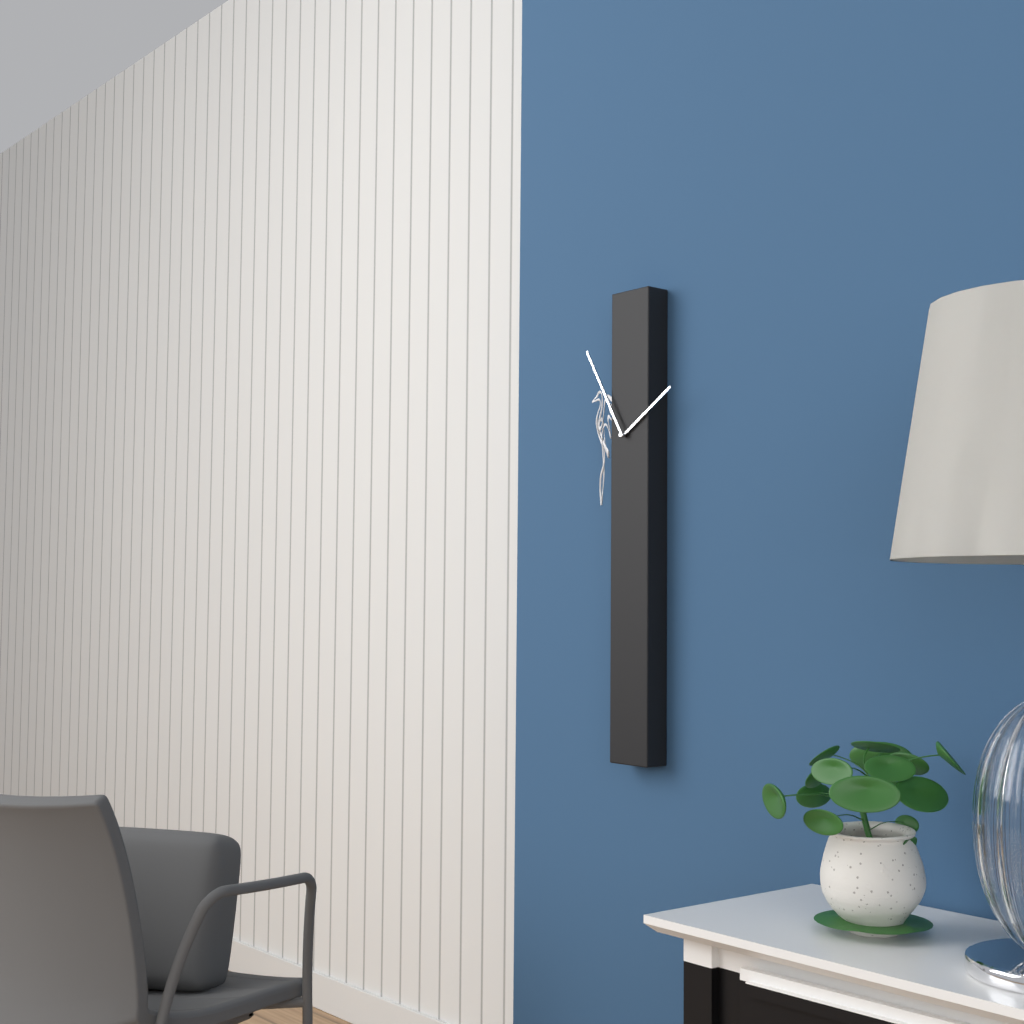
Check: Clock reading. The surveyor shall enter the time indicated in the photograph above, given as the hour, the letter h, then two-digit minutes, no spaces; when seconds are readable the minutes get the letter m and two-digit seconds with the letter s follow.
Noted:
1h55
